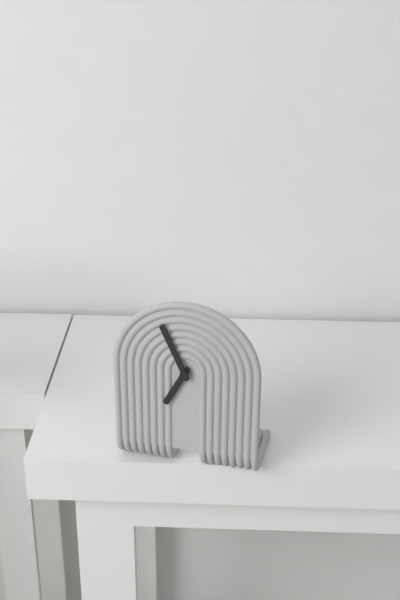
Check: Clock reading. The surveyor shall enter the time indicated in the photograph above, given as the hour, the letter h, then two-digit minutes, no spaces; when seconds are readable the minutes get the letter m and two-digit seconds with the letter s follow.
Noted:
6h56
